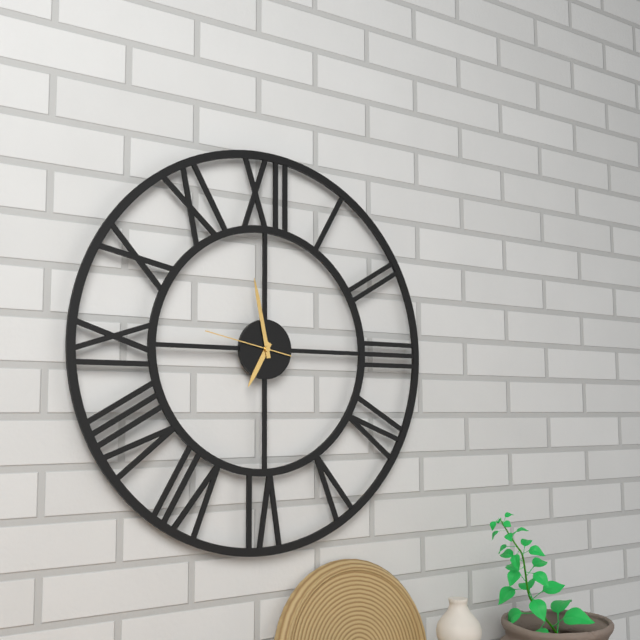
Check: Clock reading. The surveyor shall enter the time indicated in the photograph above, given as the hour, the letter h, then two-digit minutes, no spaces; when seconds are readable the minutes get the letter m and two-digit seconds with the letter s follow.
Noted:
6h58m47s
